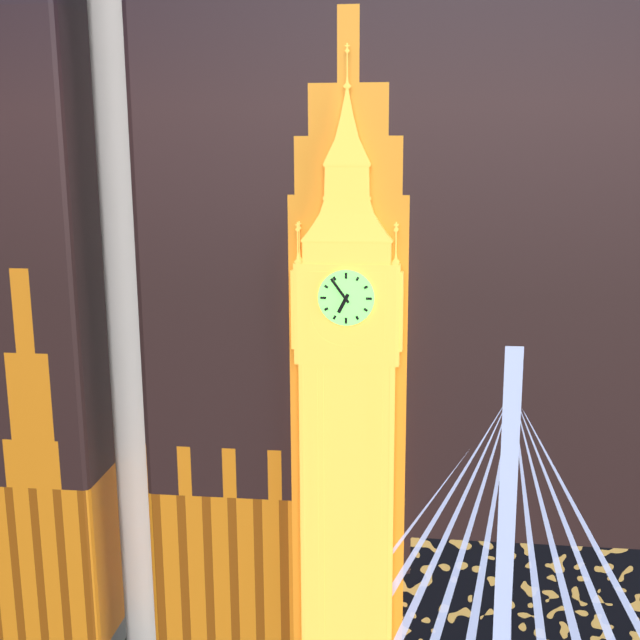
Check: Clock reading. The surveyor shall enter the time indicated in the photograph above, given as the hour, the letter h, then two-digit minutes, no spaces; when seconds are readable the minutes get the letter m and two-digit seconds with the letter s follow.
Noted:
6h54
